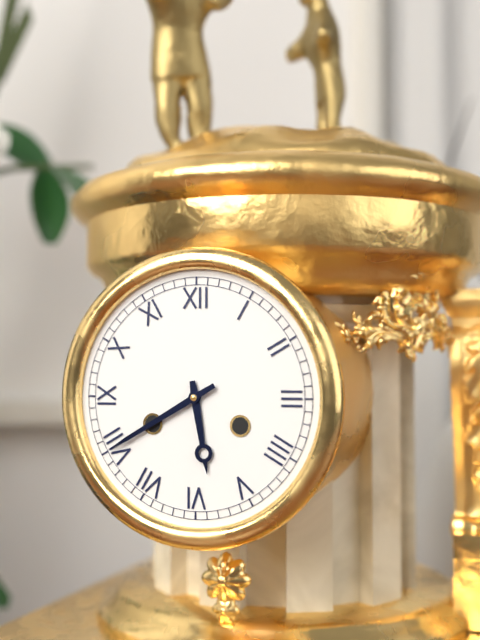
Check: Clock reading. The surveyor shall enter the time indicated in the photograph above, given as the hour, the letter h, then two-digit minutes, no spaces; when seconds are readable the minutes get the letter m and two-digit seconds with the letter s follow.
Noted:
5h40
